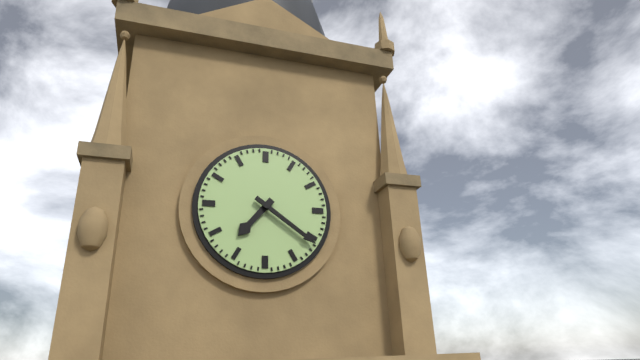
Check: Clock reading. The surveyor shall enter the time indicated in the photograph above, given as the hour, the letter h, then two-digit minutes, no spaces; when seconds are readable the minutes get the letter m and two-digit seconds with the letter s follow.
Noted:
7h21
